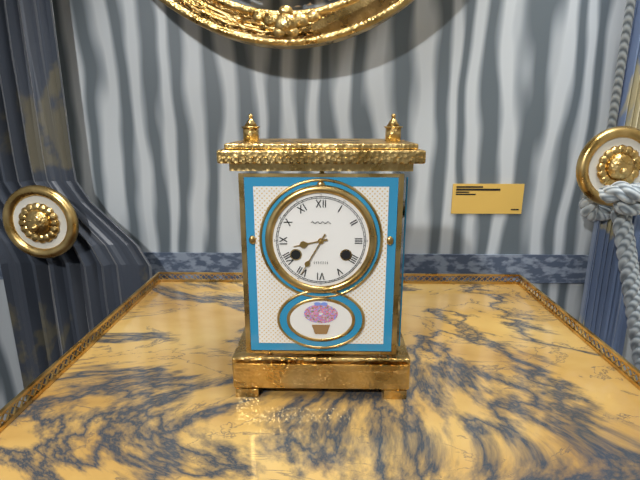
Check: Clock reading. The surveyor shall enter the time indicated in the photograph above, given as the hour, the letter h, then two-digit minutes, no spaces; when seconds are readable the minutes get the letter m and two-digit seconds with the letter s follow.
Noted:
8h35
